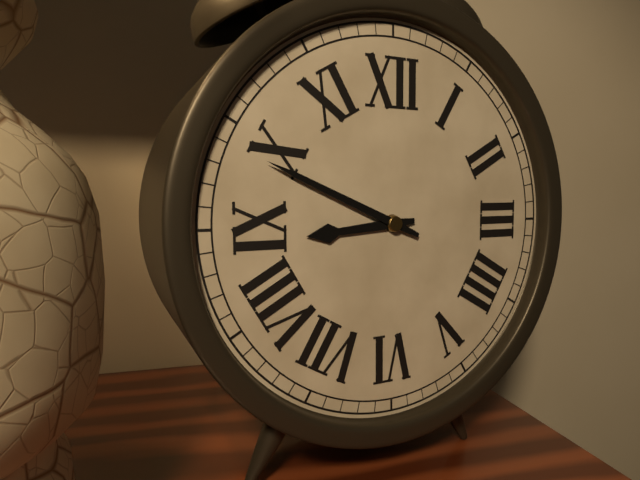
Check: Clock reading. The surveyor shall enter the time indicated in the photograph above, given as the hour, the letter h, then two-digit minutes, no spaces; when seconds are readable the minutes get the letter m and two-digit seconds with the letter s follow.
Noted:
8h49
